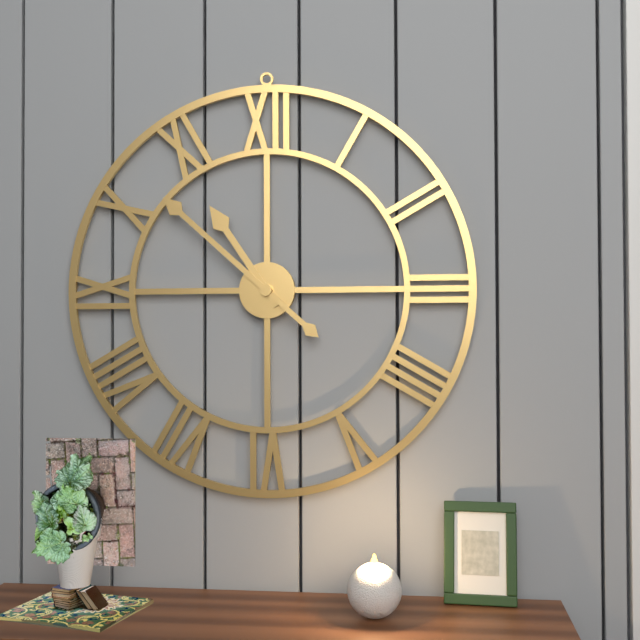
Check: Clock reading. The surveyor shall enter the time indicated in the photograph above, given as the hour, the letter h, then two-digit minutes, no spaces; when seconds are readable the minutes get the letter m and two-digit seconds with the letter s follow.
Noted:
10h52
